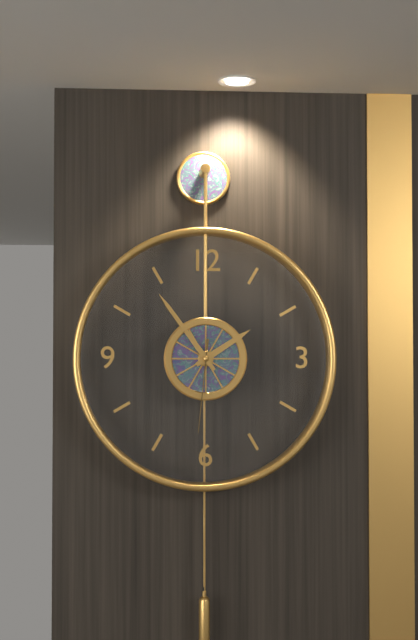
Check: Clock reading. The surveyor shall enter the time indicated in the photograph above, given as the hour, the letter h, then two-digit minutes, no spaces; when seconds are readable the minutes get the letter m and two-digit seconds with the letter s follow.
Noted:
1h54m31s
